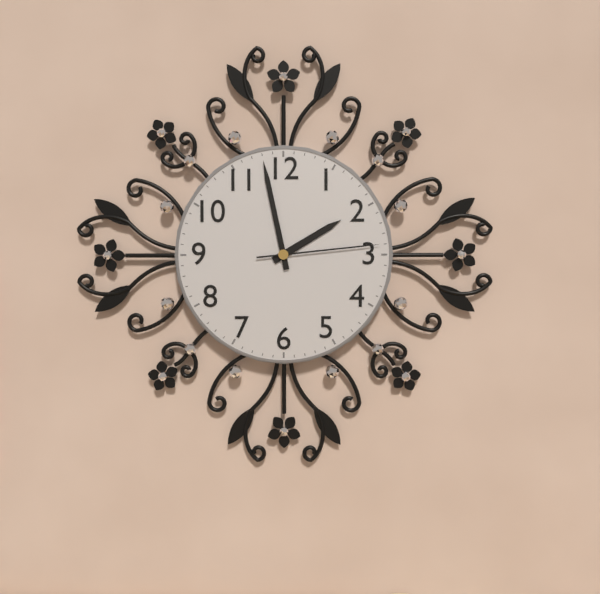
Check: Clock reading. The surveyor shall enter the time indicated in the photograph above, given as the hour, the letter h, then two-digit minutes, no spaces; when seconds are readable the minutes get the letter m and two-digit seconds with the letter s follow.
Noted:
1h58m14s
